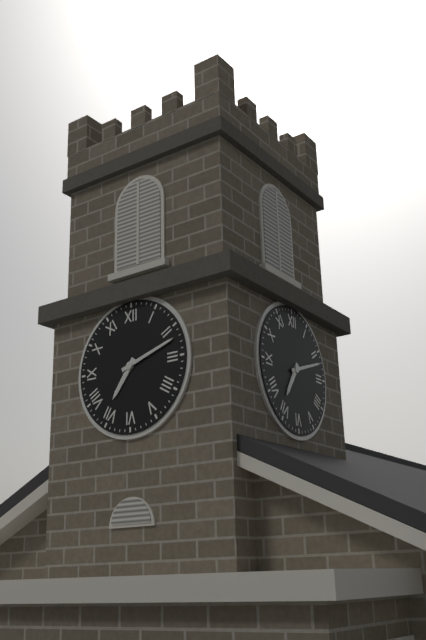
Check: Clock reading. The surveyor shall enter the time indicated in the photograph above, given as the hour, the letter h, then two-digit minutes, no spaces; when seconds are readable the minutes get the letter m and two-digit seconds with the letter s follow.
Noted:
7h12
